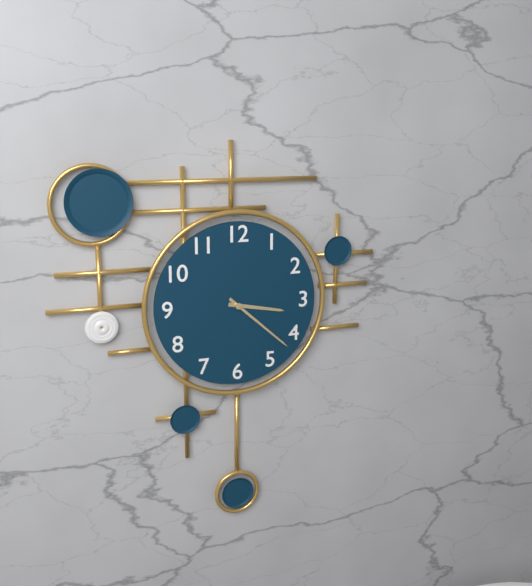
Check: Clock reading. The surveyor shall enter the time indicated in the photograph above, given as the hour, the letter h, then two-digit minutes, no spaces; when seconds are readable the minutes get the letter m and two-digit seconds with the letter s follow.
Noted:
3h22
